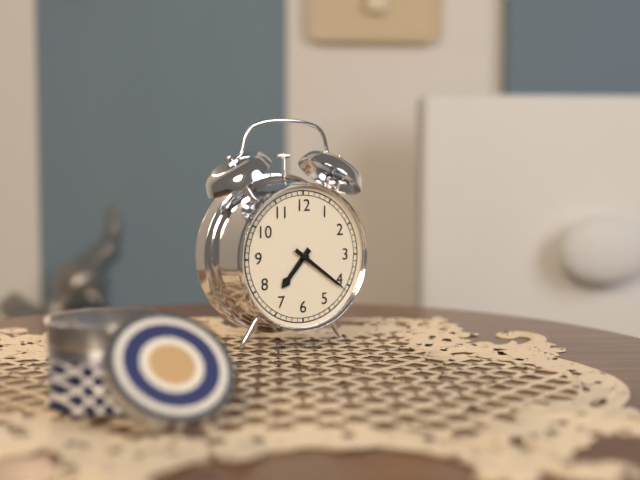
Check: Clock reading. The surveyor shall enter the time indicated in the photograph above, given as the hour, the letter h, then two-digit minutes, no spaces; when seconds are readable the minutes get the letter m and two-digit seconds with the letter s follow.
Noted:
7h21
